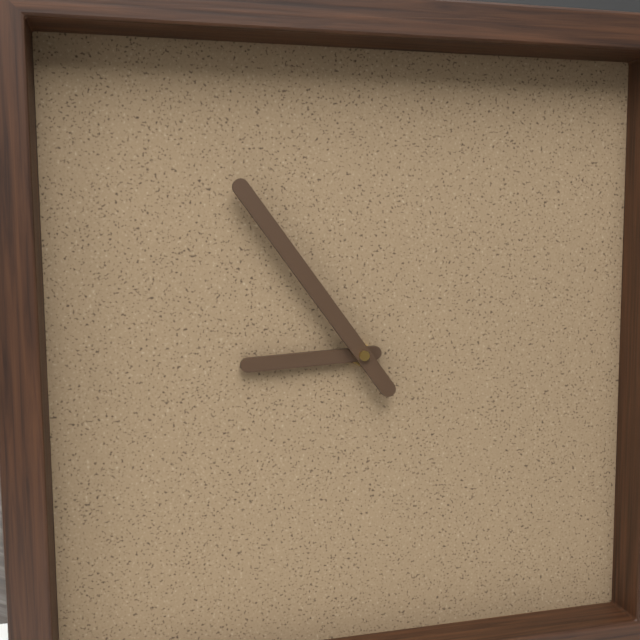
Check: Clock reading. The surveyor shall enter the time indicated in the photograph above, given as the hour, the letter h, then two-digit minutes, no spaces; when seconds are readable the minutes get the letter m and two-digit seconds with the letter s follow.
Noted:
8h54
